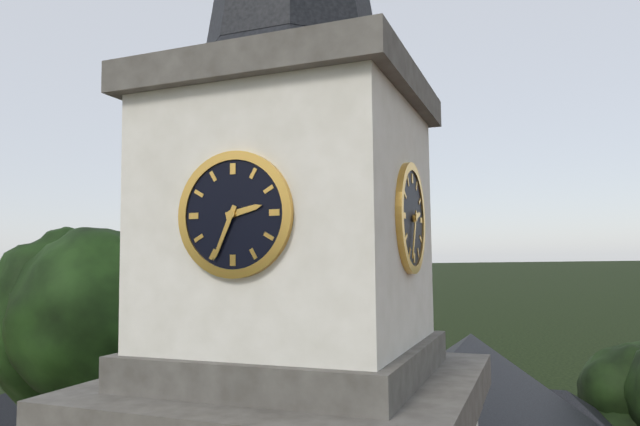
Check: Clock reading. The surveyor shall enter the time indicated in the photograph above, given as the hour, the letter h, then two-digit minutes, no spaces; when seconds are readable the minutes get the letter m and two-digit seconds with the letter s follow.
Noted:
2h34
